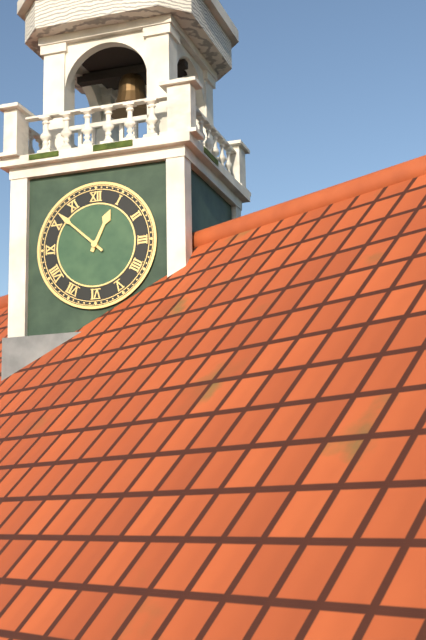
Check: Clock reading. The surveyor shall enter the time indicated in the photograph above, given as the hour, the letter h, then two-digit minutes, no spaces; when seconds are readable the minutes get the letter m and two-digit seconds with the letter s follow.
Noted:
12h52
